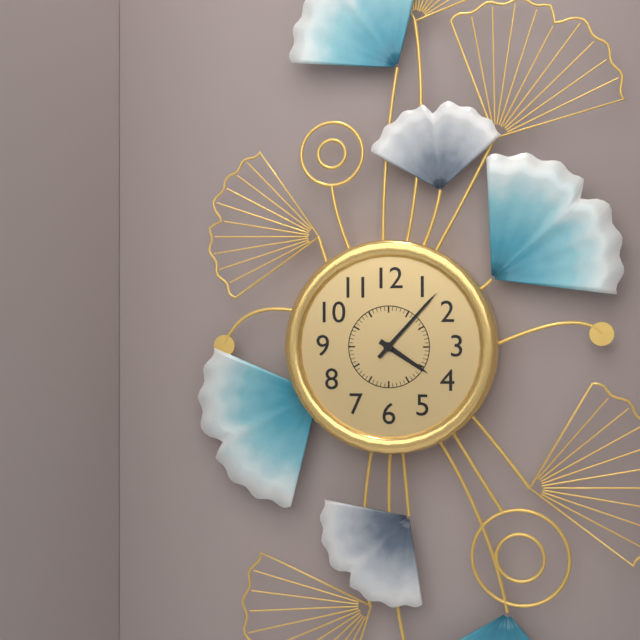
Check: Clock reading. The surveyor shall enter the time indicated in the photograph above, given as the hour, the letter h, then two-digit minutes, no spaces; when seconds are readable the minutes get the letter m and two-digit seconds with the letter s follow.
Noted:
4h07
